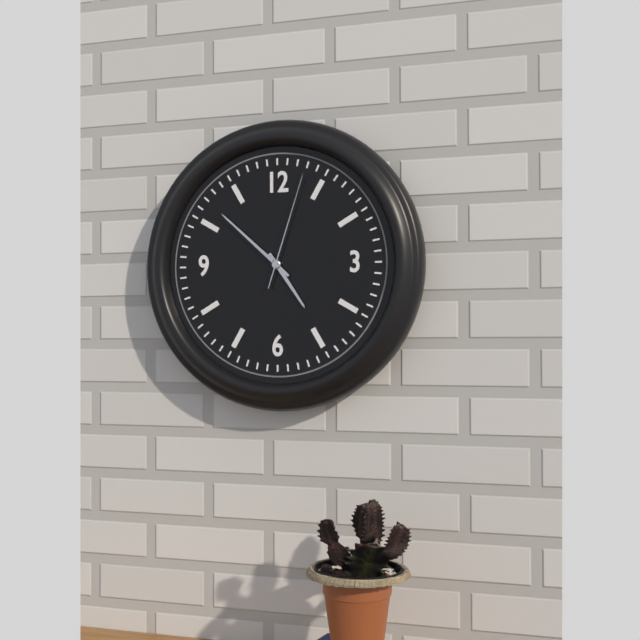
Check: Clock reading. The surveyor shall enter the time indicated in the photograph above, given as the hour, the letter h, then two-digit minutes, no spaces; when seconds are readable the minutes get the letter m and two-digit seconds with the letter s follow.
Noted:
4h52m03s
